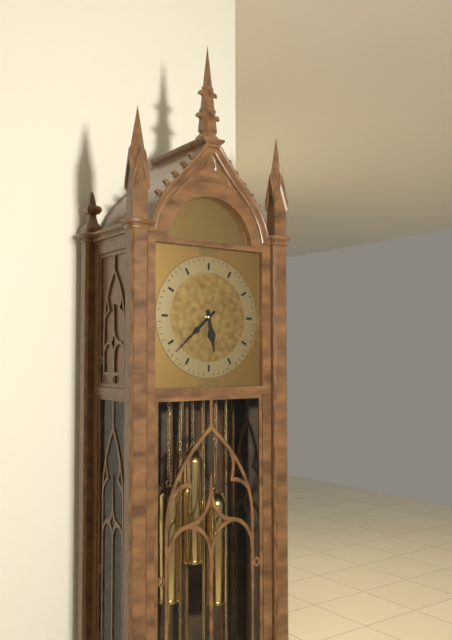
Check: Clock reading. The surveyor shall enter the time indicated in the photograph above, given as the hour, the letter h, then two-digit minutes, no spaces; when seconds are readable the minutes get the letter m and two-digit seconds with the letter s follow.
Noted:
5h38
